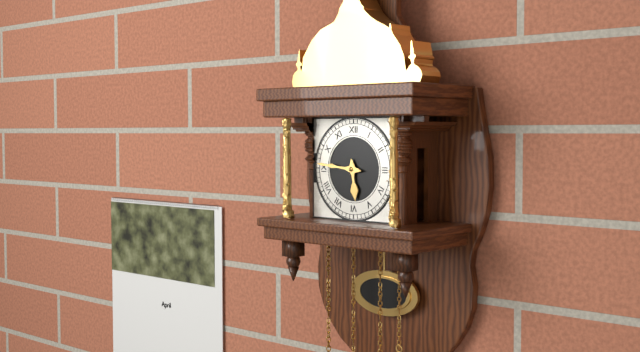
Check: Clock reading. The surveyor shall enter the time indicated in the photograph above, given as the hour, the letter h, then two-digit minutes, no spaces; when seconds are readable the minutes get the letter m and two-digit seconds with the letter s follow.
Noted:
5h46
